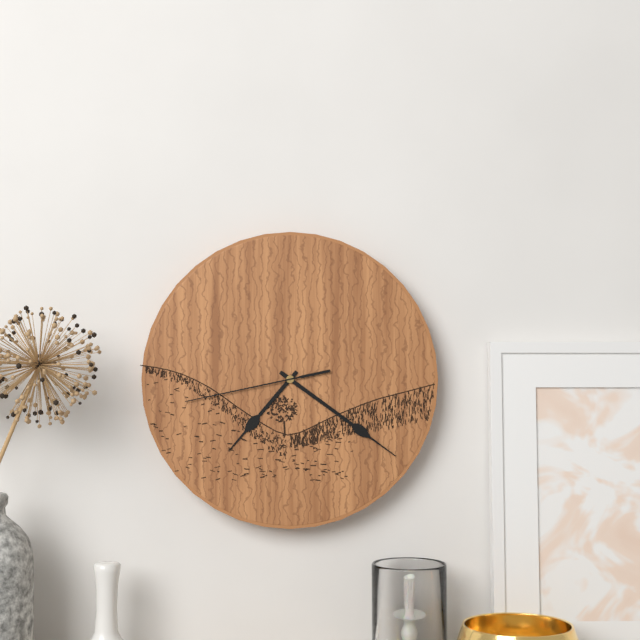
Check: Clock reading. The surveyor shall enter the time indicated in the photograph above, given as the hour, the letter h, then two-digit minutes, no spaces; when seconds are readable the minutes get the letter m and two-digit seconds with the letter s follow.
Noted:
7h21m43s
